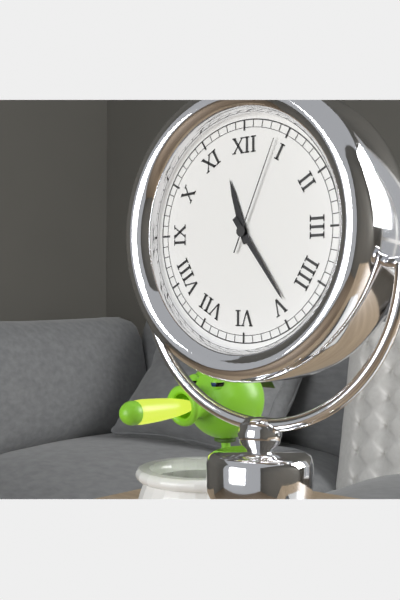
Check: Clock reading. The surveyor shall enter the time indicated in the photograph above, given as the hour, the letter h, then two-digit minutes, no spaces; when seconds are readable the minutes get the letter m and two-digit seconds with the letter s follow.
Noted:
11h24m04s
